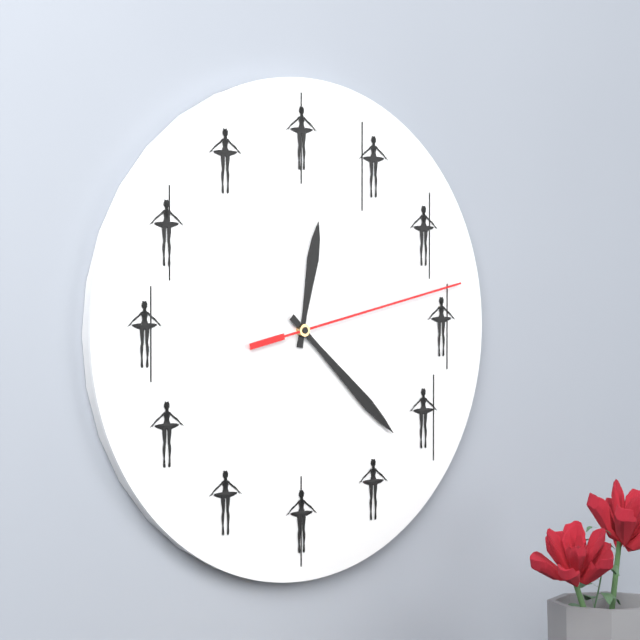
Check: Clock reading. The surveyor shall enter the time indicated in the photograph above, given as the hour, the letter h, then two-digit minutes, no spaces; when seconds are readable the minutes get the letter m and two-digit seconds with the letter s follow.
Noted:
12h22m13s
